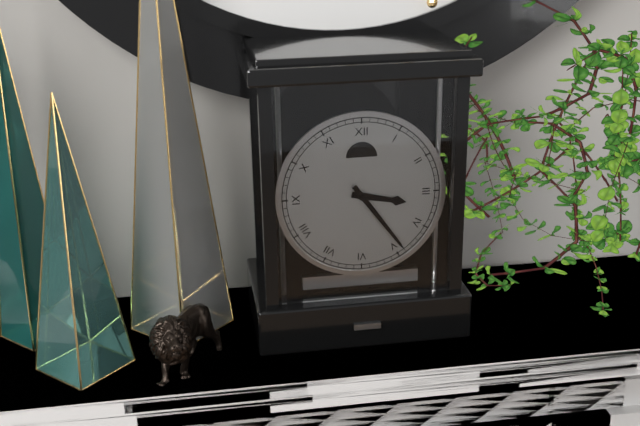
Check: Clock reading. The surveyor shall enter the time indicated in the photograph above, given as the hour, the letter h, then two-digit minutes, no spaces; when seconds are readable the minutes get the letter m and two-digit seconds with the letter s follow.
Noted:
3h24
